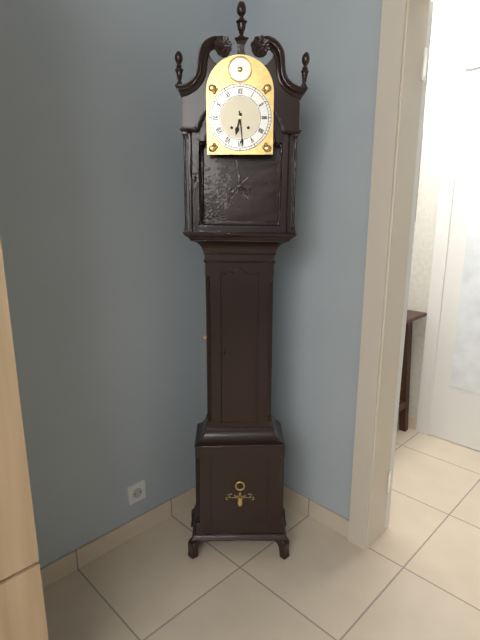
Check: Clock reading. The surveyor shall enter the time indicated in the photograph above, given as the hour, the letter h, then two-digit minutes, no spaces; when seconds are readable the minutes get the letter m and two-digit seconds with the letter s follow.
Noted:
6h29
